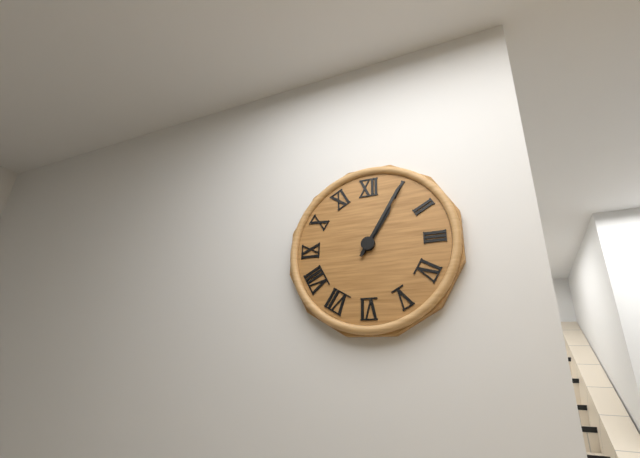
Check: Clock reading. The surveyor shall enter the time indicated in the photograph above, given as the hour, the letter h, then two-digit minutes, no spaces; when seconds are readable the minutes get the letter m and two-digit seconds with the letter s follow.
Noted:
1h05
